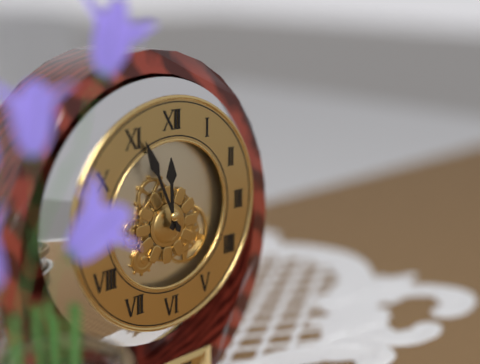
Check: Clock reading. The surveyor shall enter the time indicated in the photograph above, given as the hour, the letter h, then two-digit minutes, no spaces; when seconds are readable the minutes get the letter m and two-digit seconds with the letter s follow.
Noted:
11h56
